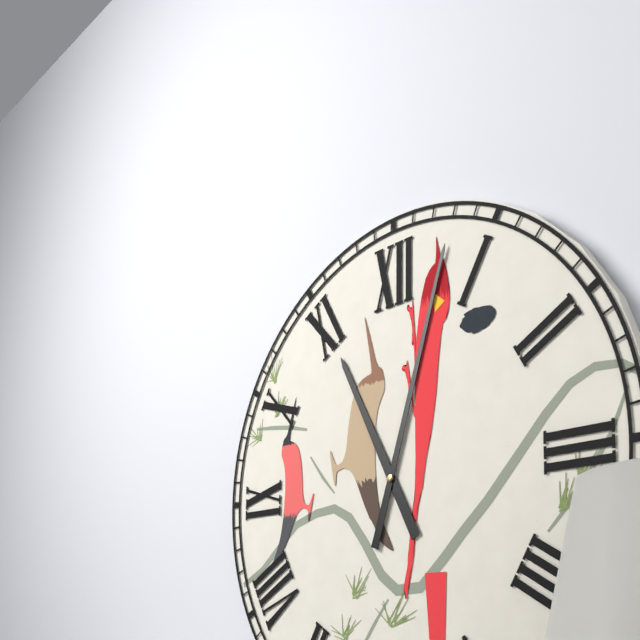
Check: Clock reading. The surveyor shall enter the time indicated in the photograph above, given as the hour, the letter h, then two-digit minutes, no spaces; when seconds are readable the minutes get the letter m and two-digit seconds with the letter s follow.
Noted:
11h03
